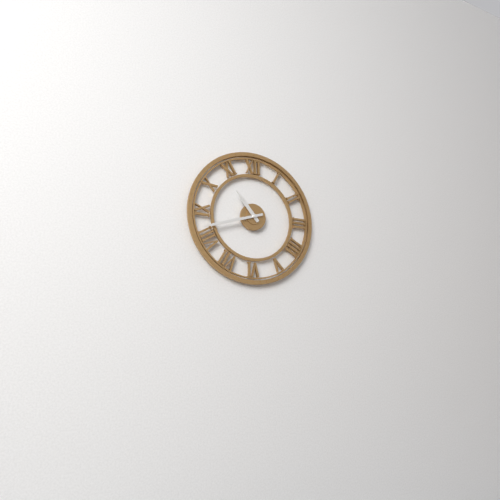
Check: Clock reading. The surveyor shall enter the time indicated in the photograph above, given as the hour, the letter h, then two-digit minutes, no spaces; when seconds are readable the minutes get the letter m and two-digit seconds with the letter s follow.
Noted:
10h42
